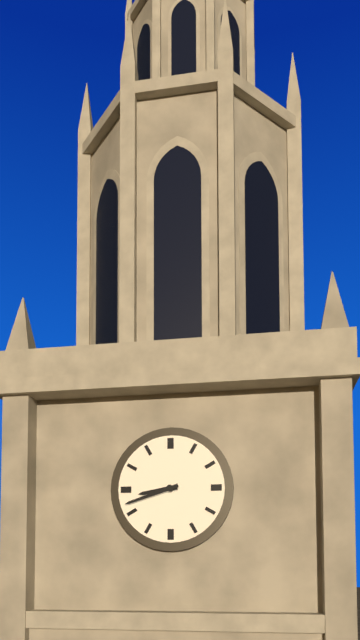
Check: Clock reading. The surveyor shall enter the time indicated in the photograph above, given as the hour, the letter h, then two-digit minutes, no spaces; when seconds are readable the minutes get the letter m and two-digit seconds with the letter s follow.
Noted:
8h42
